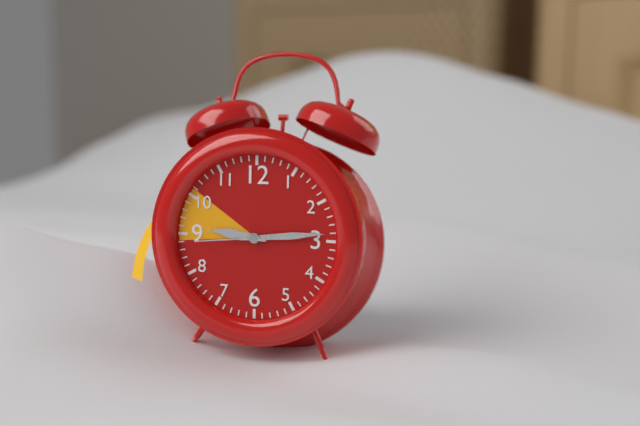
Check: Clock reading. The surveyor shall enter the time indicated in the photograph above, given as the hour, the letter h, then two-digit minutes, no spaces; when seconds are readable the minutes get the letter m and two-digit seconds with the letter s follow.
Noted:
9h14m44s
